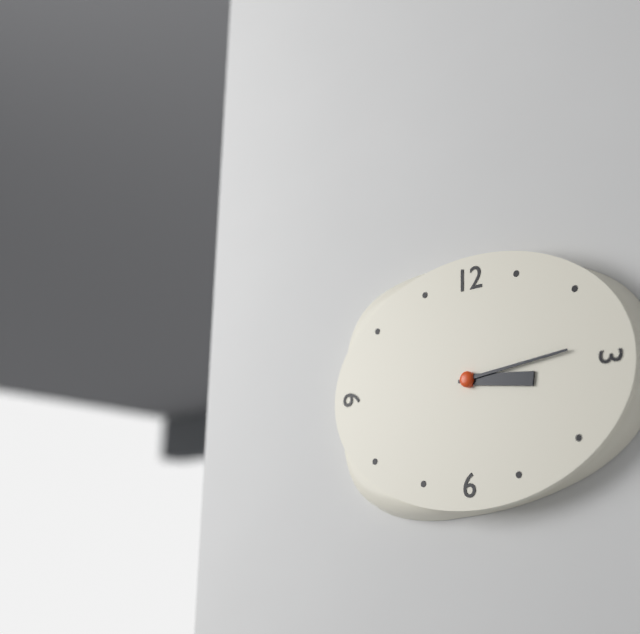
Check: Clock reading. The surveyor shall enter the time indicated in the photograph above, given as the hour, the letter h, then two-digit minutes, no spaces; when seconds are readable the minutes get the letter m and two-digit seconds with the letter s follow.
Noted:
3h14
